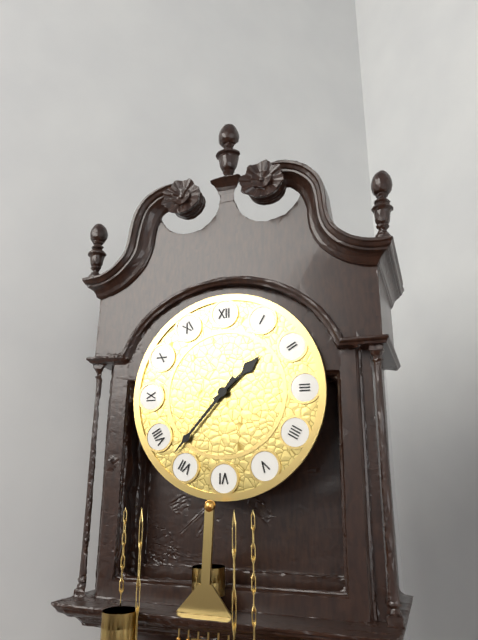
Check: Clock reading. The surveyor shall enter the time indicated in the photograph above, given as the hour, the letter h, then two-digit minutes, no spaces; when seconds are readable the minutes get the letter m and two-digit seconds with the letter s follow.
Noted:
1h37
